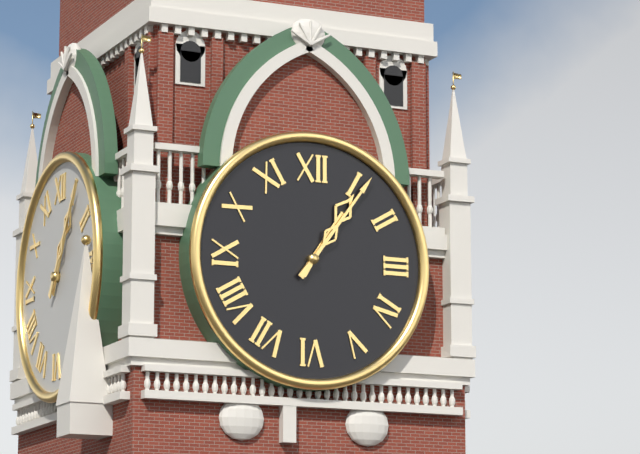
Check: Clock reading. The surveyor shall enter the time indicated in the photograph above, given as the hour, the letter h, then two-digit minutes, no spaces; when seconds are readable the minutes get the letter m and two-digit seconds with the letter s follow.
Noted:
1h06
